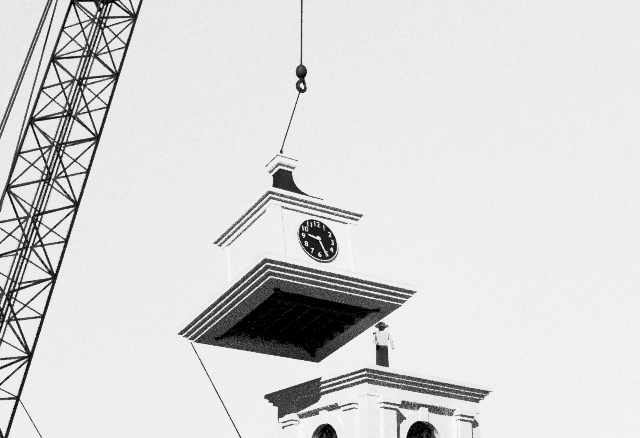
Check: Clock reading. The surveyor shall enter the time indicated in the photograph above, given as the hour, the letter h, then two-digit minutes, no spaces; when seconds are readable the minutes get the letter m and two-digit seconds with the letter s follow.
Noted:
9h26
